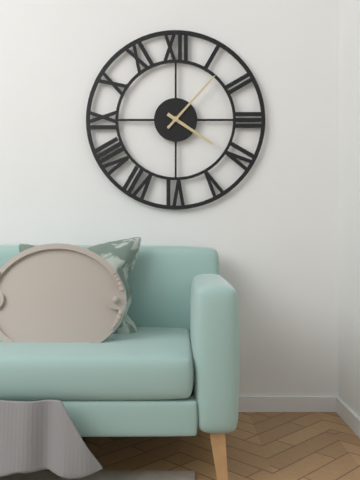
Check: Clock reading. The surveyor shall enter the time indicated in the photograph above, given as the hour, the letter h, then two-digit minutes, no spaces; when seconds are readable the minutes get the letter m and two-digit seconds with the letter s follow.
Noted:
4h07
